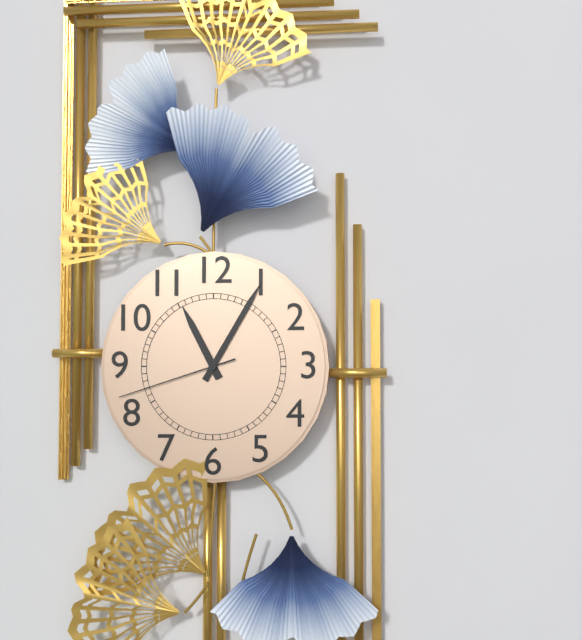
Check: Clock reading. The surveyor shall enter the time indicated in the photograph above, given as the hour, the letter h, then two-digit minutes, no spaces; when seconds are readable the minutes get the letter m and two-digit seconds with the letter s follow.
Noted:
11h05m42s
